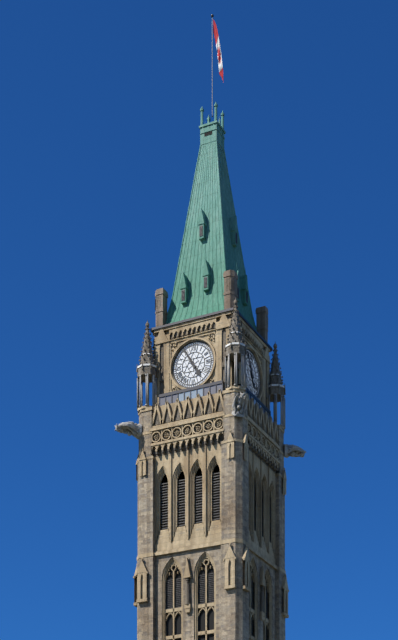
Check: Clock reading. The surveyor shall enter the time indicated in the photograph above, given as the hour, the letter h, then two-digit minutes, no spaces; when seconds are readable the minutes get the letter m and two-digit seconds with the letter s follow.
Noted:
4h55
